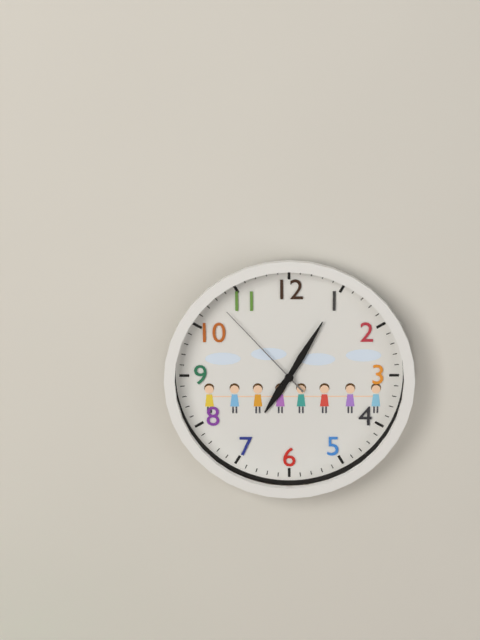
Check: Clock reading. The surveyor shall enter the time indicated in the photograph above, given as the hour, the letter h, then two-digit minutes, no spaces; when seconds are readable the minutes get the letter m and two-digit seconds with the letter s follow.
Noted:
7h05m53s
